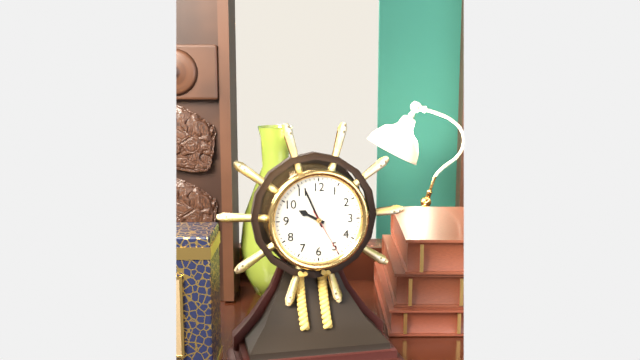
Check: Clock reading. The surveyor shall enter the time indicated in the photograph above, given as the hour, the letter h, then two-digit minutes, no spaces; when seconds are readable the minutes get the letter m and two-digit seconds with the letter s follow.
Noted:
9h56
